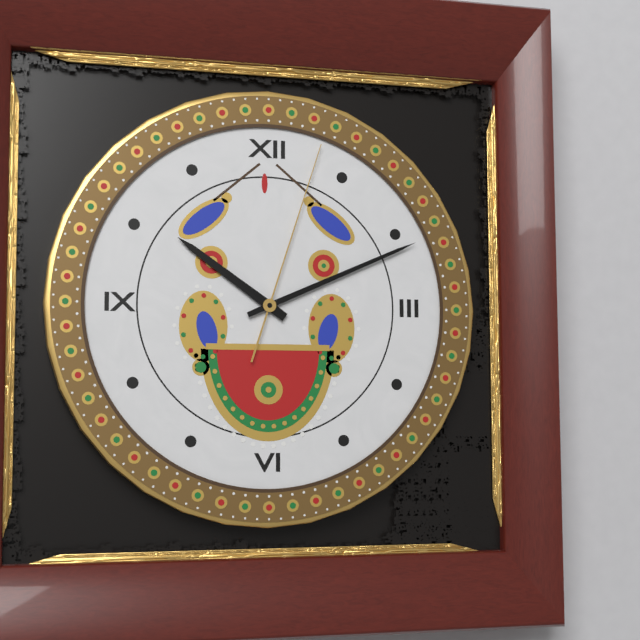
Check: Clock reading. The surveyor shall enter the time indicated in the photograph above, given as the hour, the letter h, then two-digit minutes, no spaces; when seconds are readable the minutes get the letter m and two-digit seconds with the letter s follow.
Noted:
10h11m03s
